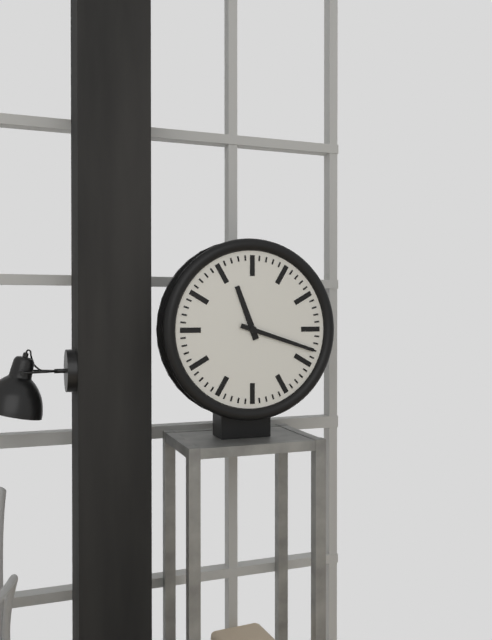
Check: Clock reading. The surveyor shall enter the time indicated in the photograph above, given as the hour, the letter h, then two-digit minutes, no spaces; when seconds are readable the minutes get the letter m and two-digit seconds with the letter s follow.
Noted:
11h18
